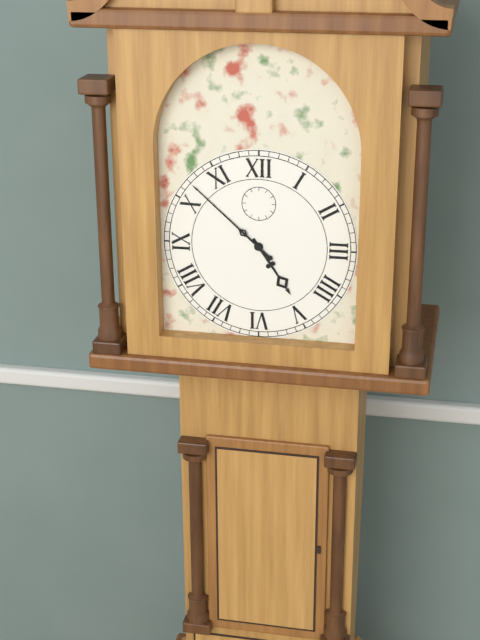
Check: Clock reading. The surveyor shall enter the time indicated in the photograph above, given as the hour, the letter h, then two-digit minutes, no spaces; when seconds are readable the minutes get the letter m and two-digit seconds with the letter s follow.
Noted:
4h52
